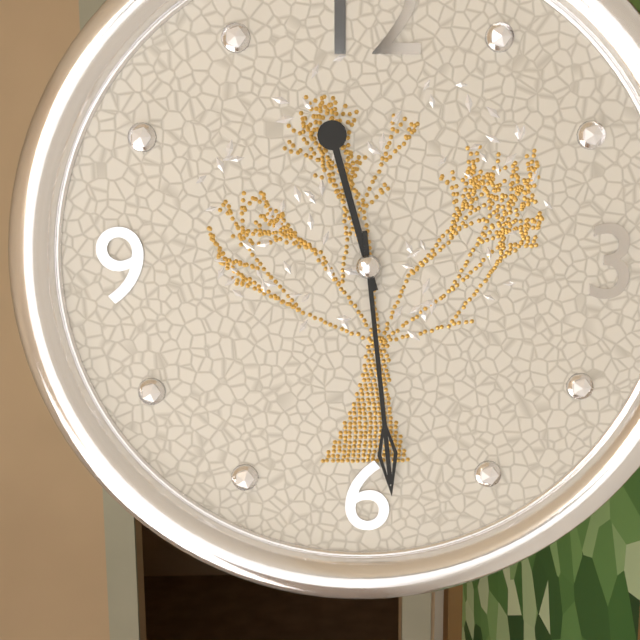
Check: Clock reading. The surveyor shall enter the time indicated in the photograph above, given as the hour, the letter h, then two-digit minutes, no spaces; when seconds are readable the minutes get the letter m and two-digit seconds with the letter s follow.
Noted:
11h29
